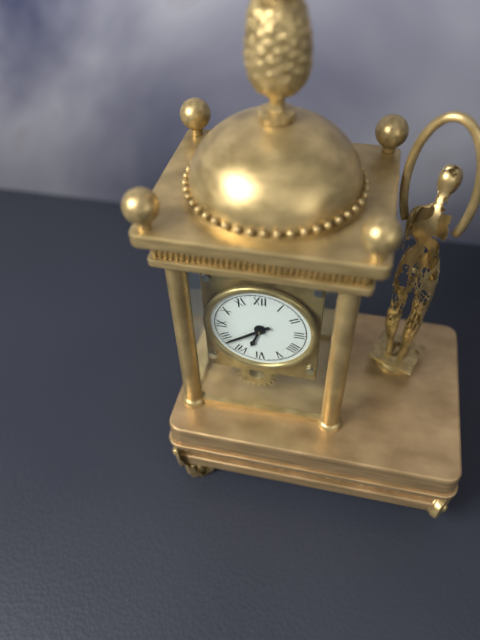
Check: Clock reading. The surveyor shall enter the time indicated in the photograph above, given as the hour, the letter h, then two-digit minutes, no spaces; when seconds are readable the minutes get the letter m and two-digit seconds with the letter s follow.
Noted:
6h39
